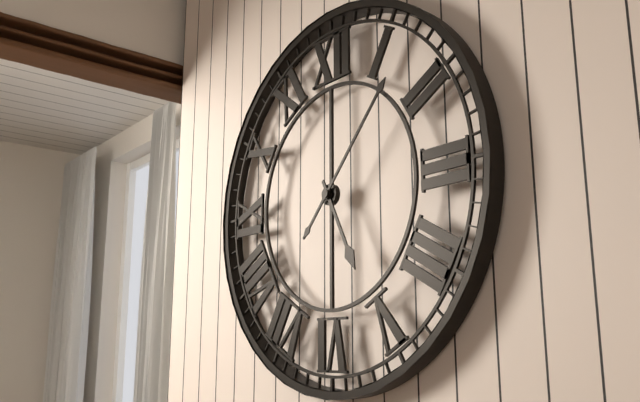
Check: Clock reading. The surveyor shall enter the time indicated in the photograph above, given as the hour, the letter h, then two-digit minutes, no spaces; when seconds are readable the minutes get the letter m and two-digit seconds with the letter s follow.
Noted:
5h07
